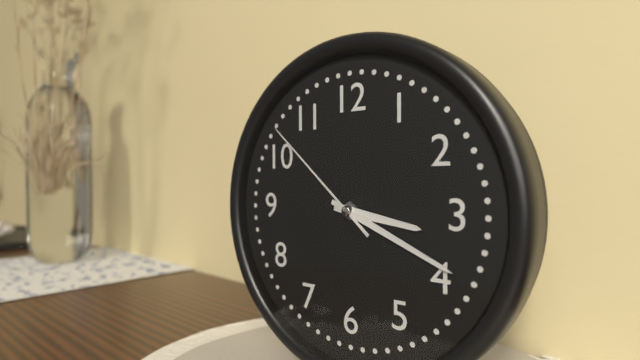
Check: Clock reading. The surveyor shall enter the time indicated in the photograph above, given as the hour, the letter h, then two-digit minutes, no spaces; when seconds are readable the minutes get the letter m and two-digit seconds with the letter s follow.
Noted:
3h19m52s
